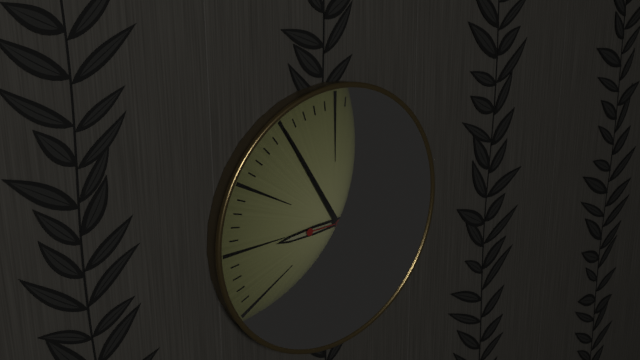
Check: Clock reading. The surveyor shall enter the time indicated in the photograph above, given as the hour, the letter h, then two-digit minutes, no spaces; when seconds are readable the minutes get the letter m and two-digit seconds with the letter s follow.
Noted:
8h55m15s
